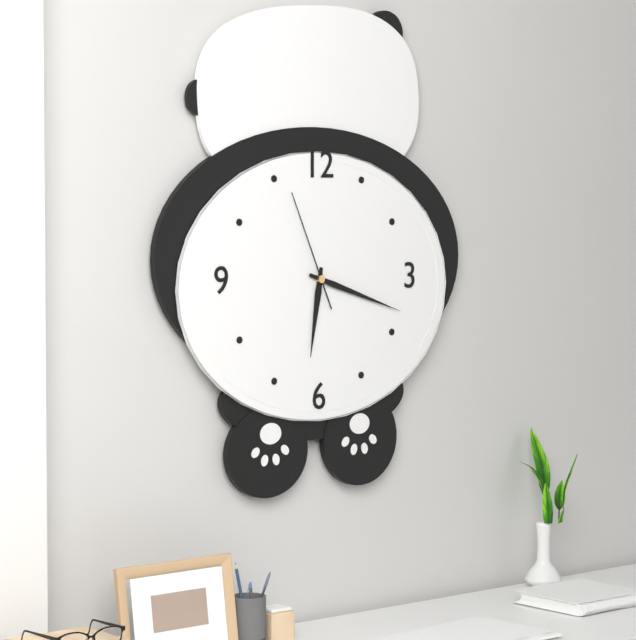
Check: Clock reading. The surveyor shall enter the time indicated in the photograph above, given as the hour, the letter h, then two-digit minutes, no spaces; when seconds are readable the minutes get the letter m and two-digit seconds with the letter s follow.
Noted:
6h18m56s
